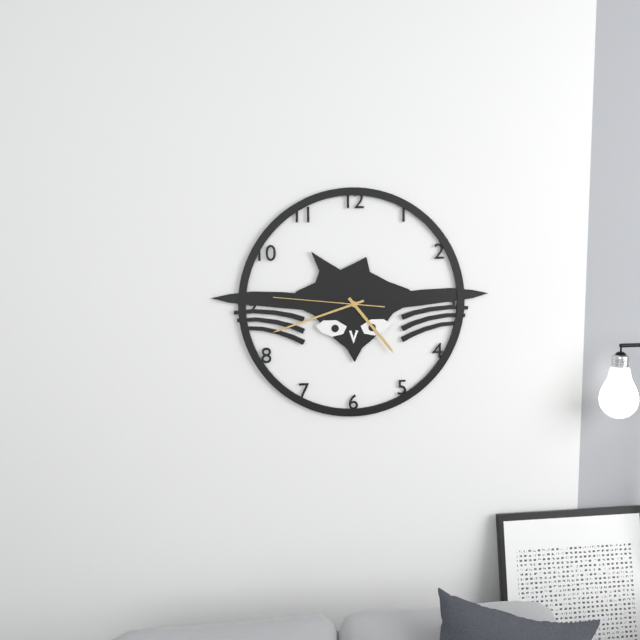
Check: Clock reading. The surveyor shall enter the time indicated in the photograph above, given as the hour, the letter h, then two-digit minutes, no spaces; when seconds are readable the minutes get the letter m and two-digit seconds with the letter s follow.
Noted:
4h42m46s
